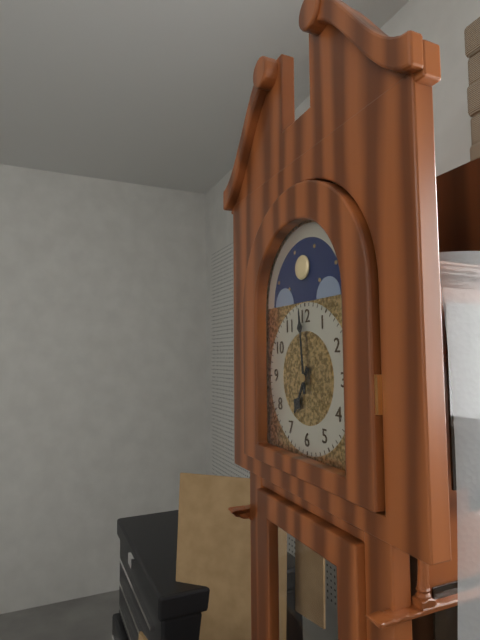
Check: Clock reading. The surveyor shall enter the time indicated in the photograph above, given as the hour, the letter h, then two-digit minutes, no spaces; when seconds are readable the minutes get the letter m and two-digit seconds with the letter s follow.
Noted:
6h59
